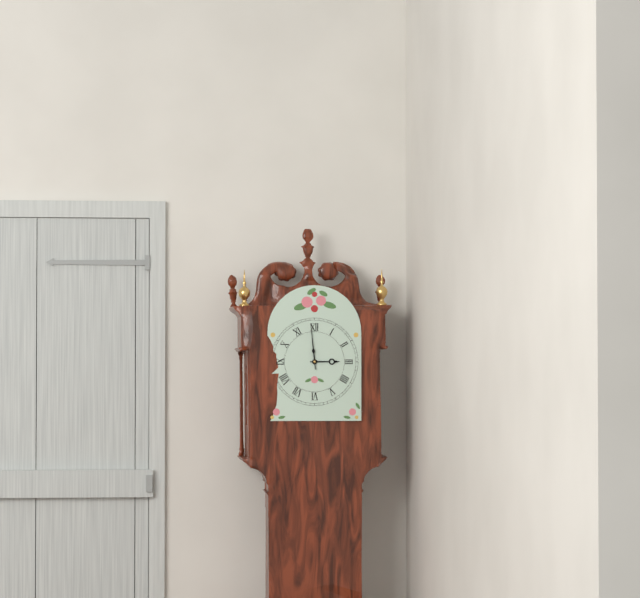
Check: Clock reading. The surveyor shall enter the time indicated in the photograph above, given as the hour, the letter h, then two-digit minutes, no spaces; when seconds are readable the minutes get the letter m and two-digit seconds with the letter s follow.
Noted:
2h59
